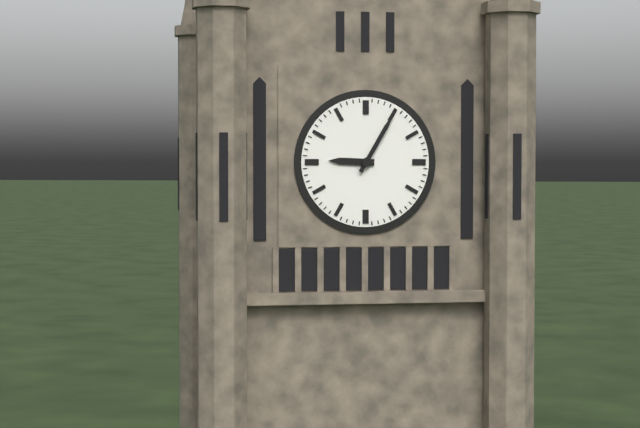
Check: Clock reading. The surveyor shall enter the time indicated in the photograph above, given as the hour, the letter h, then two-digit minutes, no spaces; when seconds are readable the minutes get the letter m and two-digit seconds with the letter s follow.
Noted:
9h05
